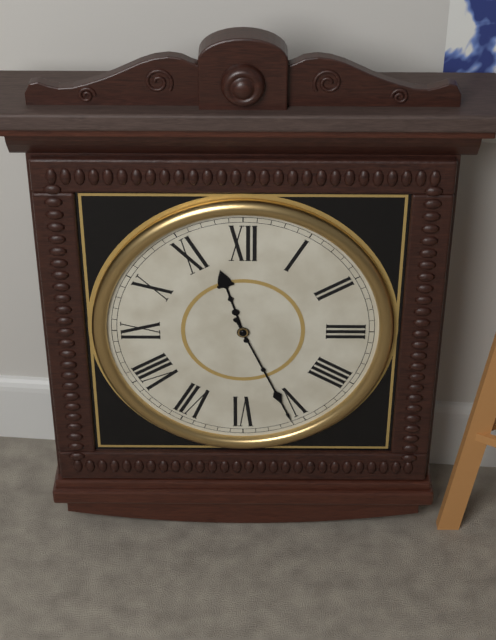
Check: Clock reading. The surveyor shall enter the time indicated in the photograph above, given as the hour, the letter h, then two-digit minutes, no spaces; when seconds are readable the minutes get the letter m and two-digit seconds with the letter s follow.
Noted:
11h26
